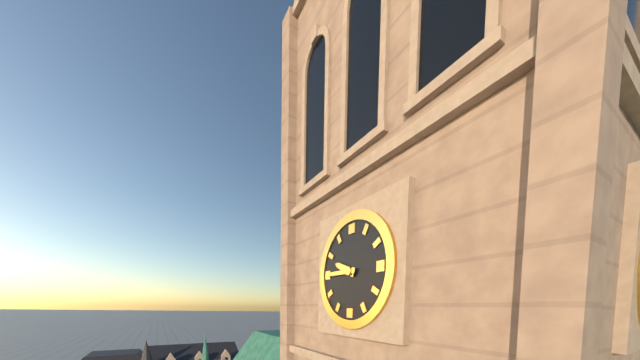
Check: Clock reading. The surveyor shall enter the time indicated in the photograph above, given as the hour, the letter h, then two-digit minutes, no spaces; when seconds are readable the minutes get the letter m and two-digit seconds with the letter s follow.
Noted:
9h45
